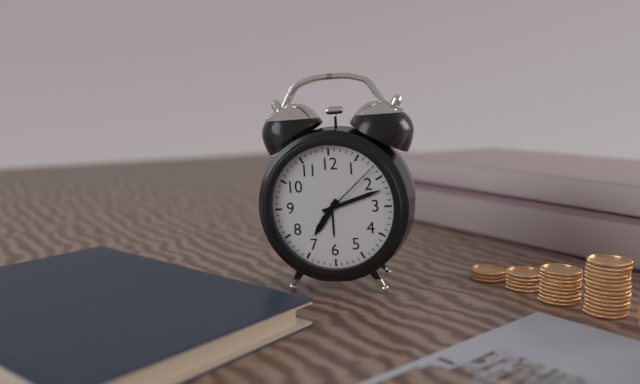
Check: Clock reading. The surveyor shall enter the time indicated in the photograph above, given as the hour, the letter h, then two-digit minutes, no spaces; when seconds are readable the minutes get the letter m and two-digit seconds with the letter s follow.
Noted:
7h12m08s
